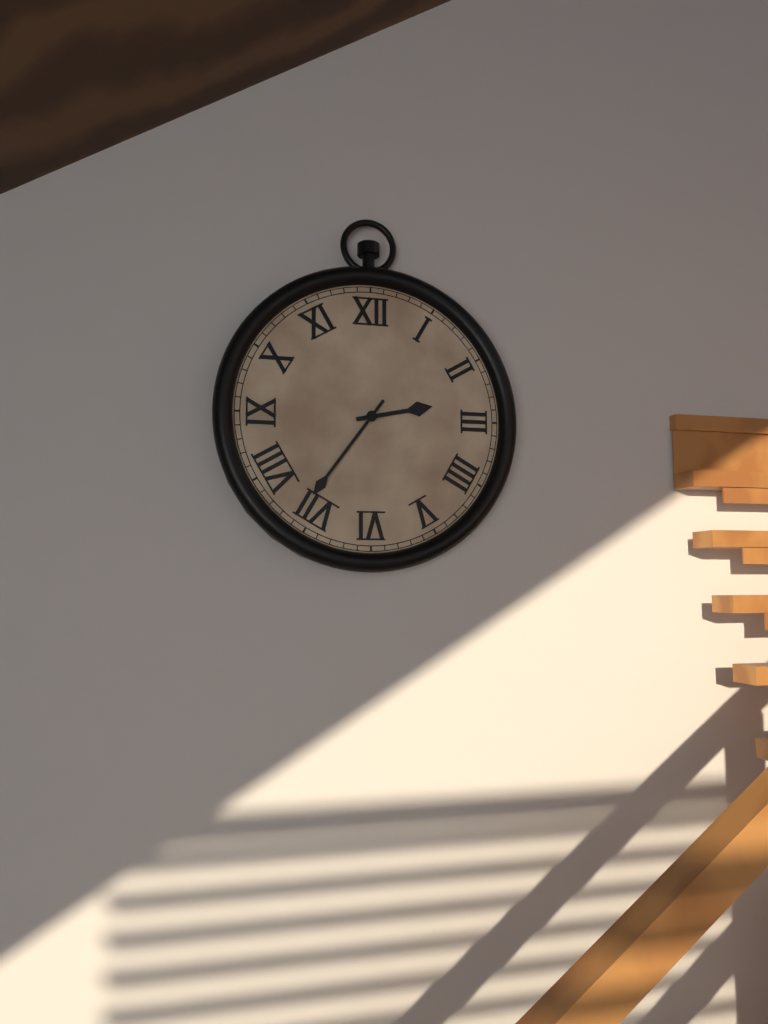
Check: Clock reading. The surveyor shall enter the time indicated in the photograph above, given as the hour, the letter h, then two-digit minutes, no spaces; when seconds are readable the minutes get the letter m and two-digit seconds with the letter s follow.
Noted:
2h36
